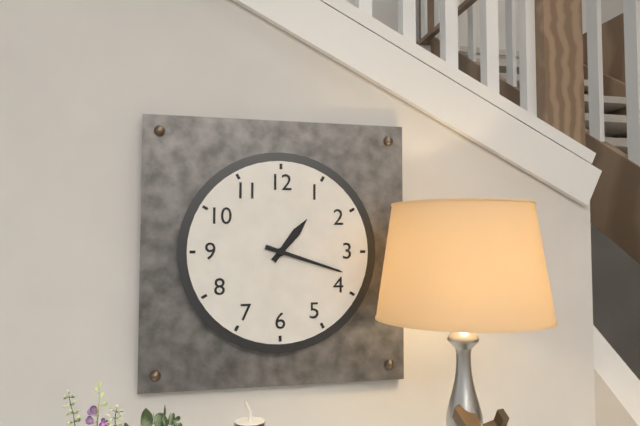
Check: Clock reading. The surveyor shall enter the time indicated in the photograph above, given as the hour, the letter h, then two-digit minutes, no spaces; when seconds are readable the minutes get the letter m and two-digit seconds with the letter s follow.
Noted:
1h18
